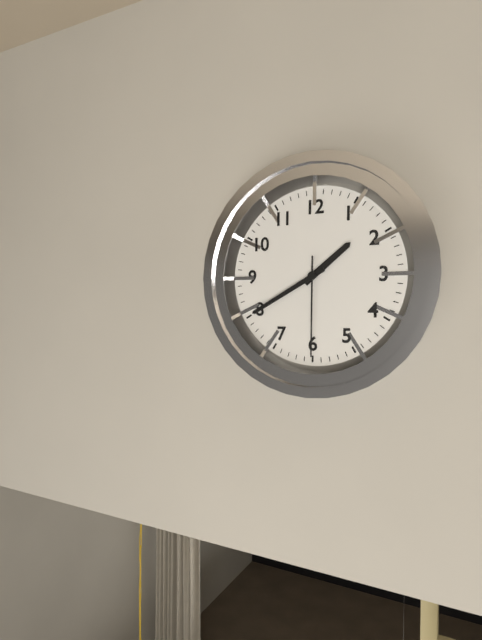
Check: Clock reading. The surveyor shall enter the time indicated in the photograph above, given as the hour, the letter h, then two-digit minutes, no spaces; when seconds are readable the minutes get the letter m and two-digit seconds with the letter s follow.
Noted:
1h40m30s
